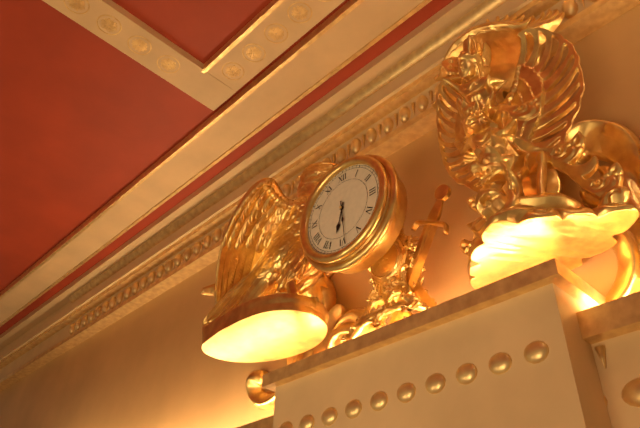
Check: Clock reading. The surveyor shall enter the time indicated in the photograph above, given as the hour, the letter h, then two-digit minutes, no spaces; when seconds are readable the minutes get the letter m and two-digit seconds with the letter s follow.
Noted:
6h29
